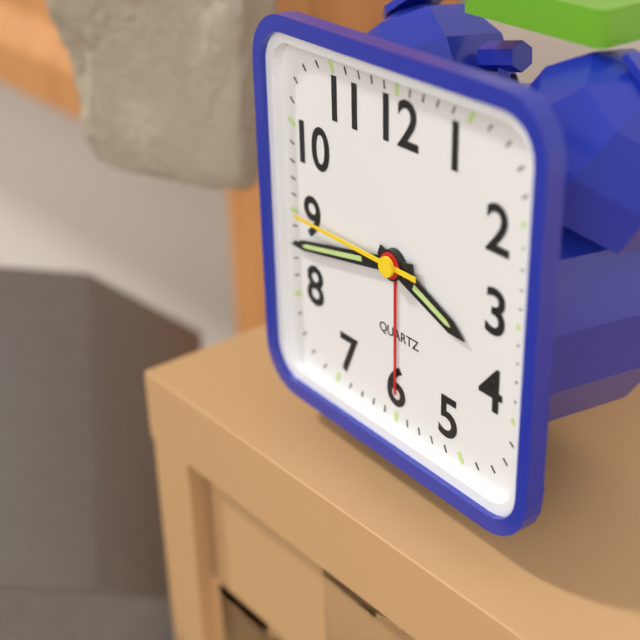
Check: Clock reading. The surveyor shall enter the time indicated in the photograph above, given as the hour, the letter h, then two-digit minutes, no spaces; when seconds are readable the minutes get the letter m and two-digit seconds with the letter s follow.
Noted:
3h43m45s
